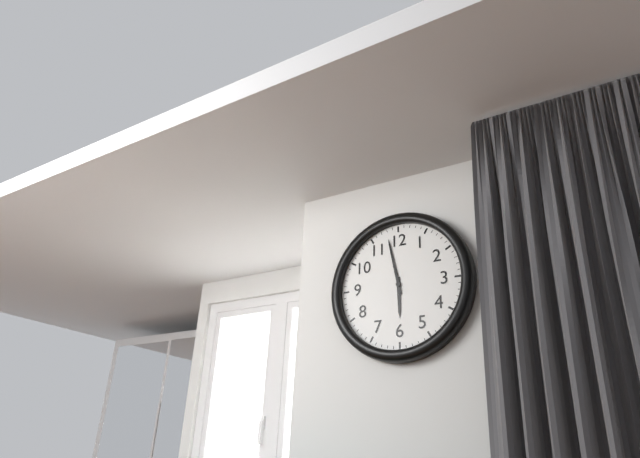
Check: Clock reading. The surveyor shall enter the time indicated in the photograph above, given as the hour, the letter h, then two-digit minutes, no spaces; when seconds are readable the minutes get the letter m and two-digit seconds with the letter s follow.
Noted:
5h58
